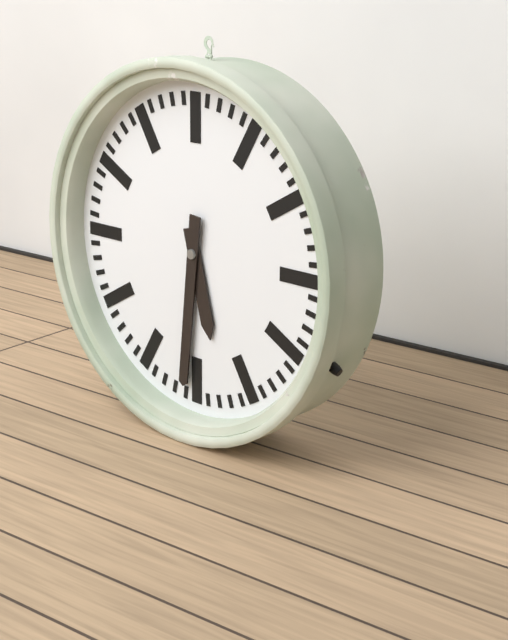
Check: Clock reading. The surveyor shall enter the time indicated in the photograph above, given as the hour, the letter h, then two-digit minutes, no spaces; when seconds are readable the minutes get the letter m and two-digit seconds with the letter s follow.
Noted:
5h31
